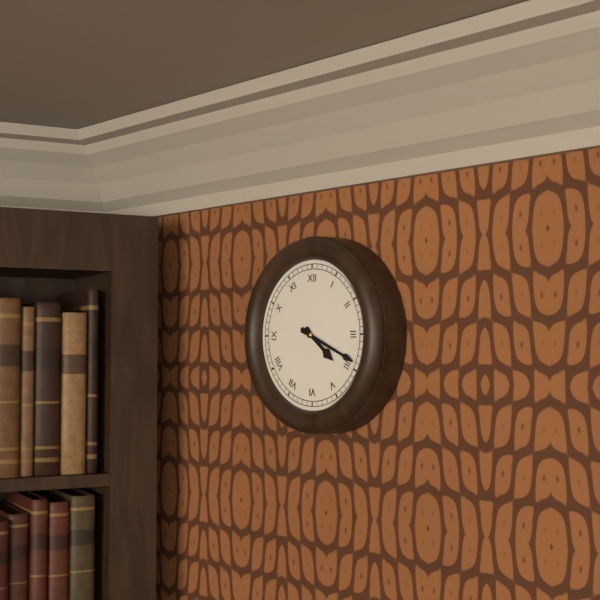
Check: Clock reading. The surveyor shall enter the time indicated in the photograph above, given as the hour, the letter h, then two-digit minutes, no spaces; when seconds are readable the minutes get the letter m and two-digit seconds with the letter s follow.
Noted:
4h19
